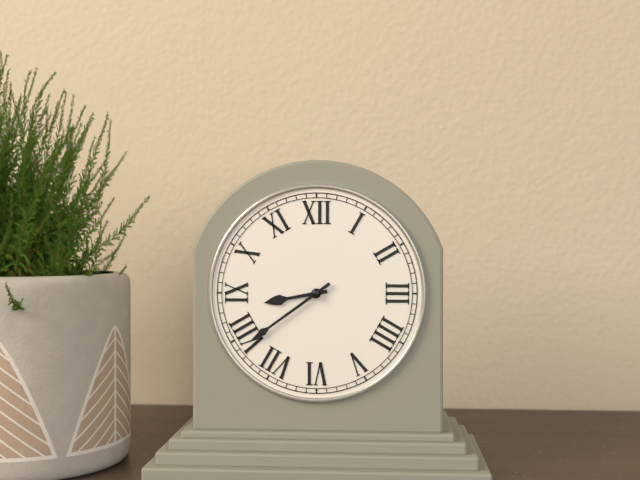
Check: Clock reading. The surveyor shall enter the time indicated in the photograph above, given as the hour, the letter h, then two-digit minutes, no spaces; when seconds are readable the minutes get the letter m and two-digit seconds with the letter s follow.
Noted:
8h39
